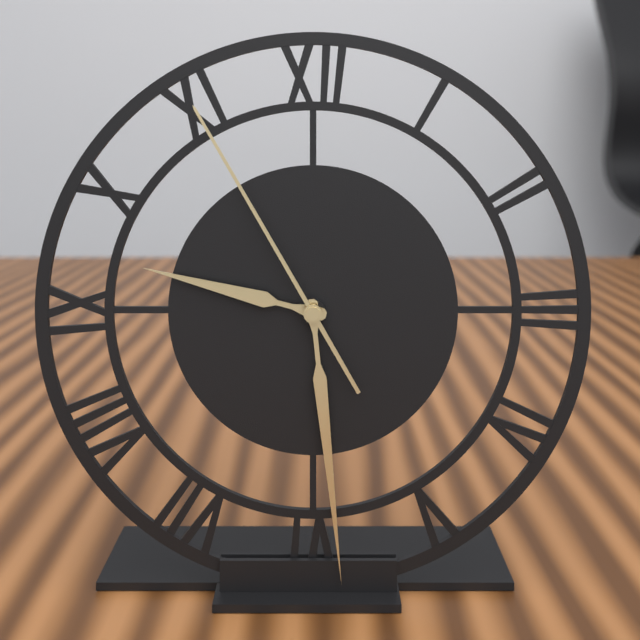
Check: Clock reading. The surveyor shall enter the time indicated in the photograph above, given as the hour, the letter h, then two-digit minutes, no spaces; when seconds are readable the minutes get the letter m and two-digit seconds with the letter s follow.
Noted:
9h29m55s
